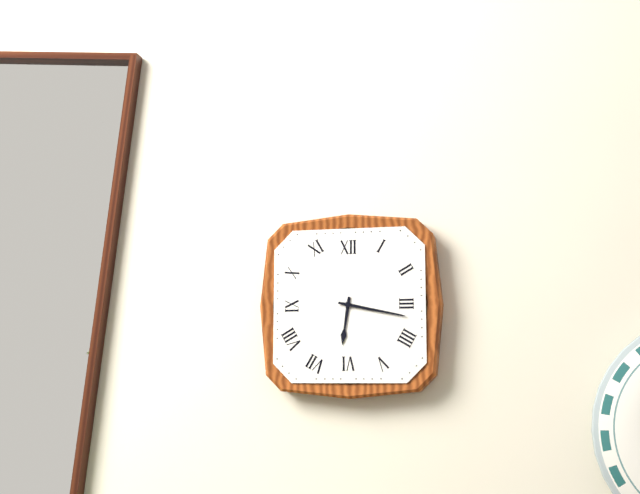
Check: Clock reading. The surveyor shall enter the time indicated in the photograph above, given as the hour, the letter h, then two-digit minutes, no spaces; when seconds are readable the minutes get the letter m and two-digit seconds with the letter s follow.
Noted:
6h17
